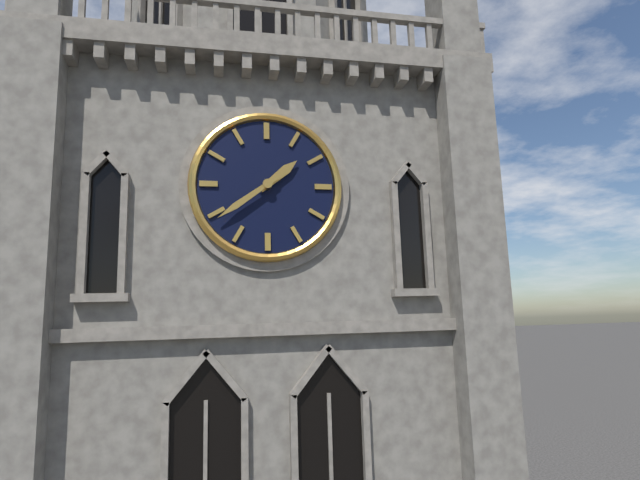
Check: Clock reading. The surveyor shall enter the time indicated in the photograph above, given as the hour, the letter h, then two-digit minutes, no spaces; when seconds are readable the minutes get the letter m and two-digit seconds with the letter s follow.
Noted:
1h39
